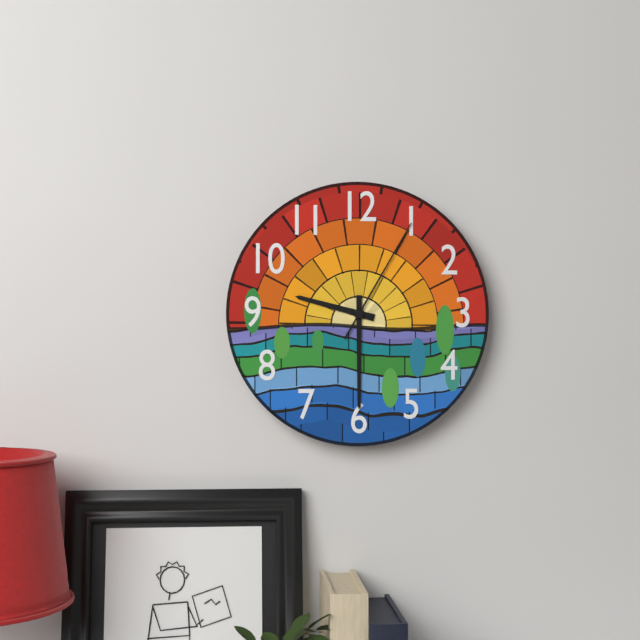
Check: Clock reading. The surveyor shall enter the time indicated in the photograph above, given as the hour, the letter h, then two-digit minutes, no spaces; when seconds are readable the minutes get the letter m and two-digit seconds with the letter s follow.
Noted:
9h30m05s
